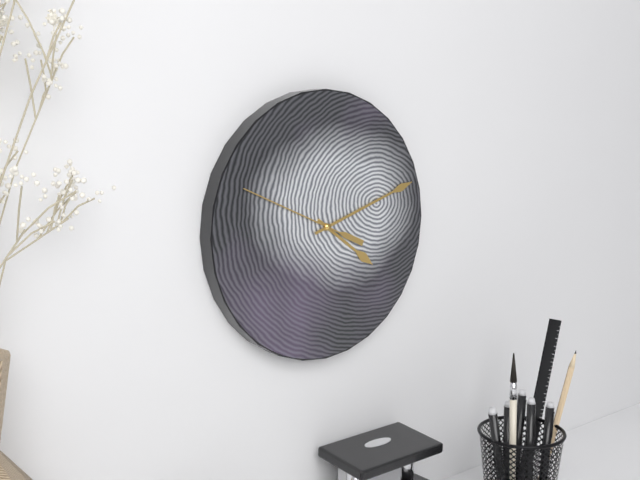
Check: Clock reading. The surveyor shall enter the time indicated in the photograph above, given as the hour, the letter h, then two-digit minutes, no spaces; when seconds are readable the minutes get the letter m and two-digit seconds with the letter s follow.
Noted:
4h12m49s
